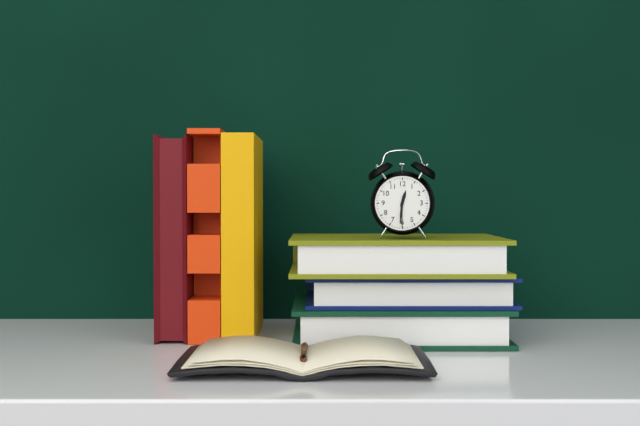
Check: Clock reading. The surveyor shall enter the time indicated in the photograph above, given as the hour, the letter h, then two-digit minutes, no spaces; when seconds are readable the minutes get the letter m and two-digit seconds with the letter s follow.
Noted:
12h31
